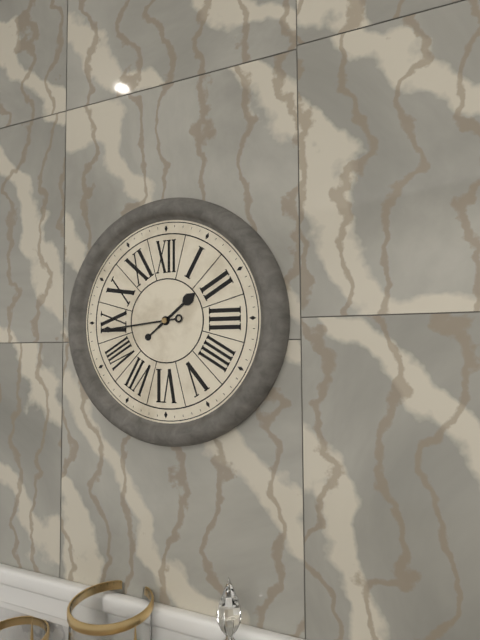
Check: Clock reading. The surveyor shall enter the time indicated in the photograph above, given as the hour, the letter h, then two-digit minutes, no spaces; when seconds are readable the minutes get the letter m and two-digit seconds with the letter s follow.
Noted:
1h44
